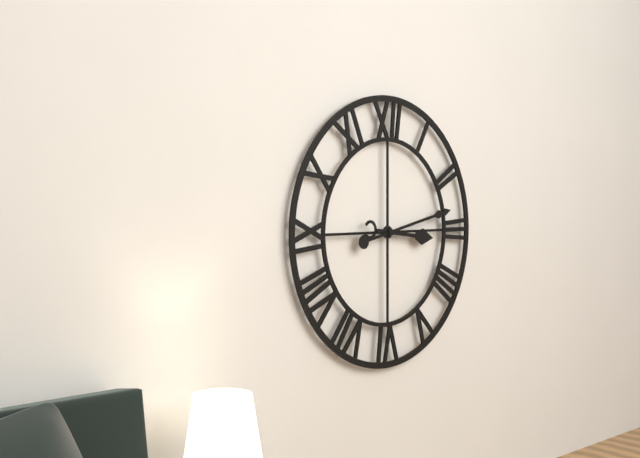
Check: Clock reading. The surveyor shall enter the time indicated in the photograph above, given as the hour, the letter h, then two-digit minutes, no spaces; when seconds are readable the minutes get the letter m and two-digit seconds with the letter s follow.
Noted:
3h13
